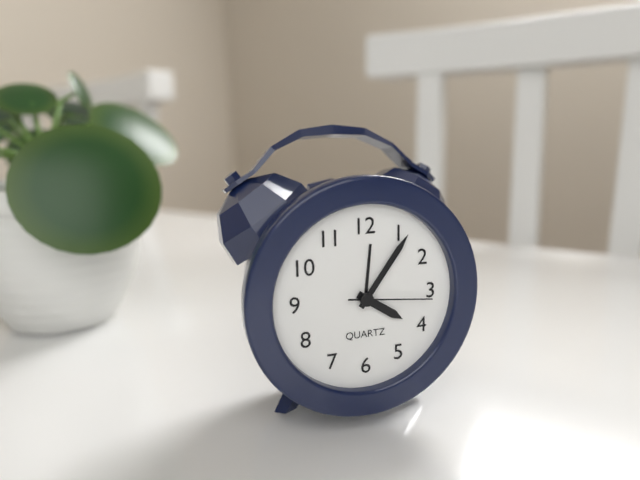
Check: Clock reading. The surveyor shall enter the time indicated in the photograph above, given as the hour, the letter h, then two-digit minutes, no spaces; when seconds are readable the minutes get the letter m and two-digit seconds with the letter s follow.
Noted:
4h06m16s
